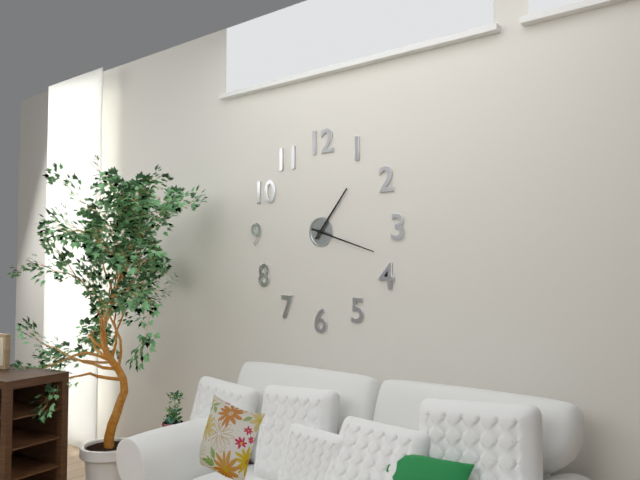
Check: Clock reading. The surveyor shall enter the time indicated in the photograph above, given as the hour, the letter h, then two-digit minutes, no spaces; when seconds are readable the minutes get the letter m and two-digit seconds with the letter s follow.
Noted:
1h18
